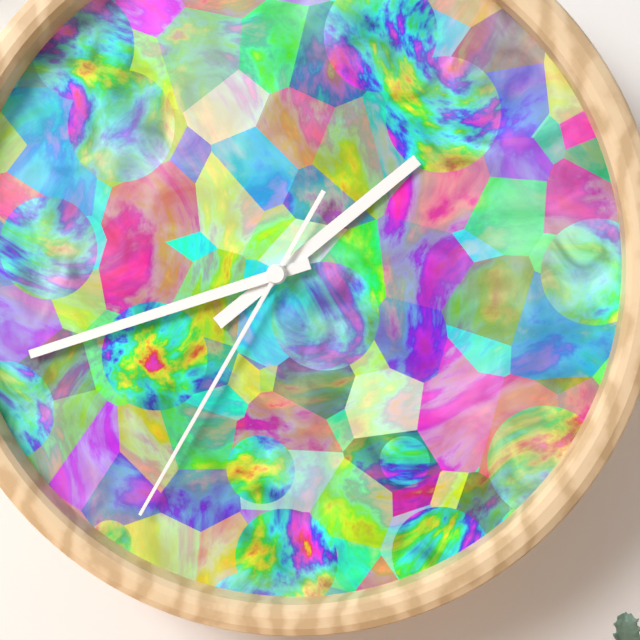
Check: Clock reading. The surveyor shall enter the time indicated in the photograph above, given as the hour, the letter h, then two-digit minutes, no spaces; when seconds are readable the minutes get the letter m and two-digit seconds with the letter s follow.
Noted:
1h42m35s
